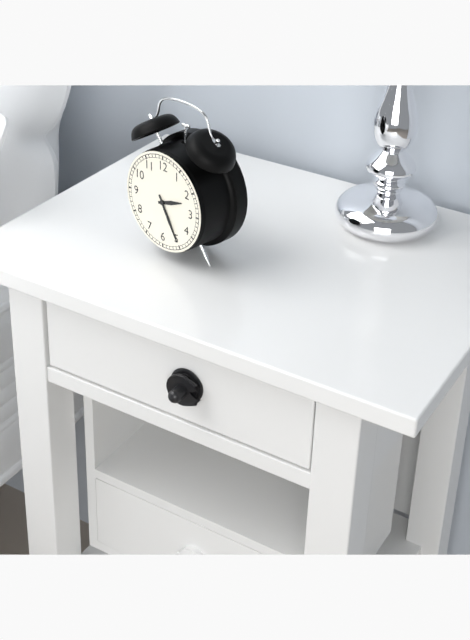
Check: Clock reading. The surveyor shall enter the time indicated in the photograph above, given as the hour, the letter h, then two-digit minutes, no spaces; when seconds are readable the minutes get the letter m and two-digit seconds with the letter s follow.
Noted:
2h25
